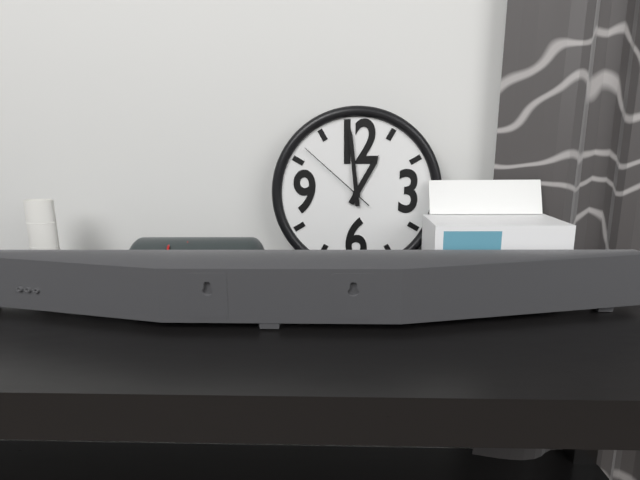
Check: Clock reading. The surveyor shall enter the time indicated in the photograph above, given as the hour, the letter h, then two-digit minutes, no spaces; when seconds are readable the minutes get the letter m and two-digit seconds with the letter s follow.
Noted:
12h59m52s
